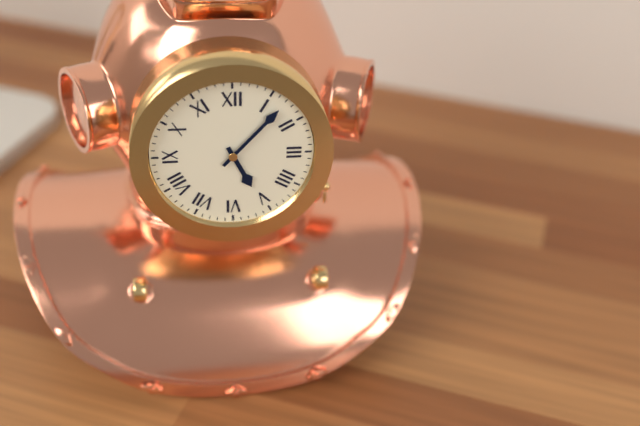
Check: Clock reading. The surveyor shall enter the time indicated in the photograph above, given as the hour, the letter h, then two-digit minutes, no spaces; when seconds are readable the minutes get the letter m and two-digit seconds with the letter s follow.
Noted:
5h07
